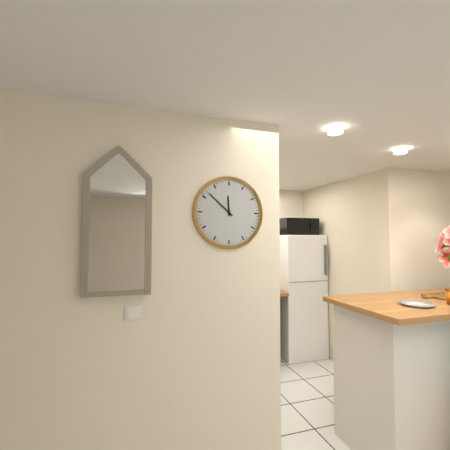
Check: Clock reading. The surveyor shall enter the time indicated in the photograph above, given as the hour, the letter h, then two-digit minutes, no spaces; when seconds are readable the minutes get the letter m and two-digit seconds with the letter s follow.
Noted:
11h52
